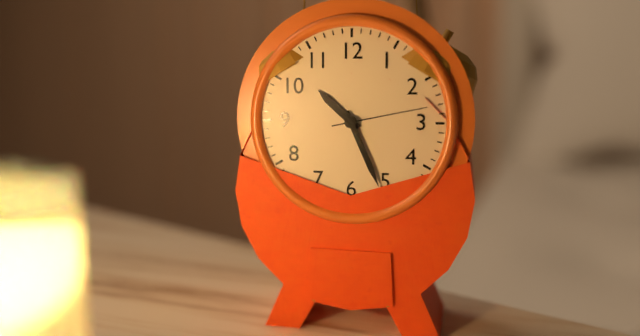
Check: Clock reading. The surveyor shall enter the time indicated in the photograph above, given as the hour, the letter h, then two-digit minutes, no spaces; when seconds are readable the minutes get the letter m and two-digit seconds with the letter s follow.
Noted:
10h26m13s
